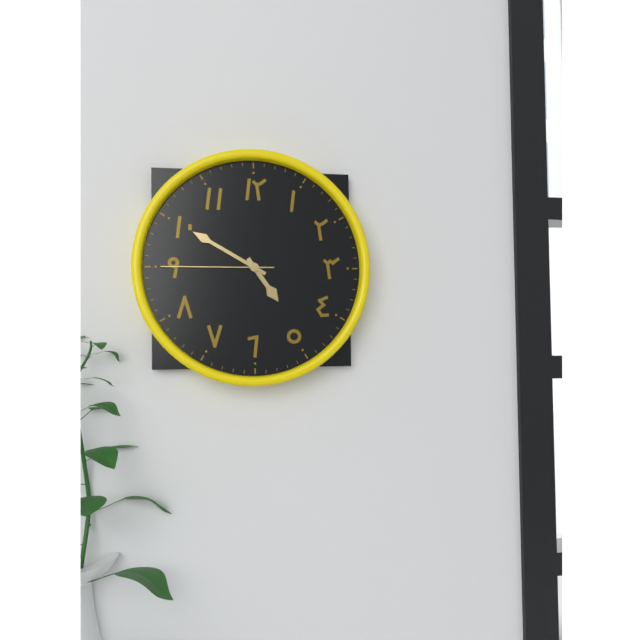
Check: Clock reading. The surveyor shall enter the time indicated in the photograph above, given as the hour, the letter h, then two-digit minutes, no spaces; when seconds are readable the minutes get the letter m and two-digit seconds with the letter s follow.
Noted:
4h50m45s
